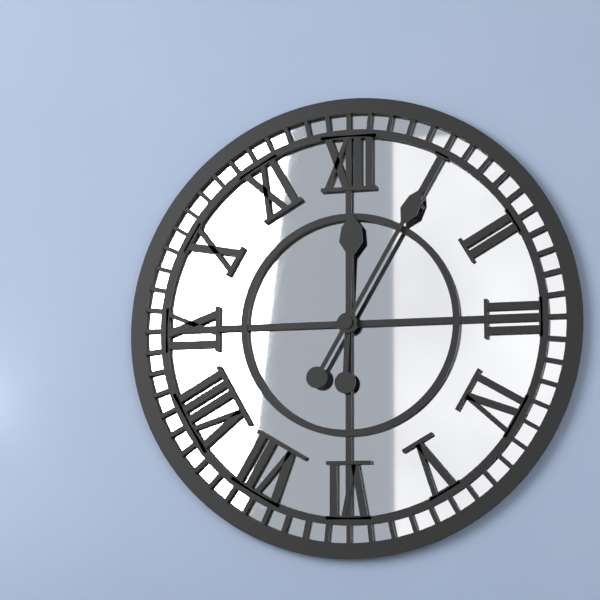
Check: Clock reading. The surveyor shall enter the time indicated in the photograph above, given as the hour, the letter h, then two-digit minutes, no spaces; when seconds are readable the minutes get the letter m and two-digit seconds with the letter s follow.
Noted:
12h05
